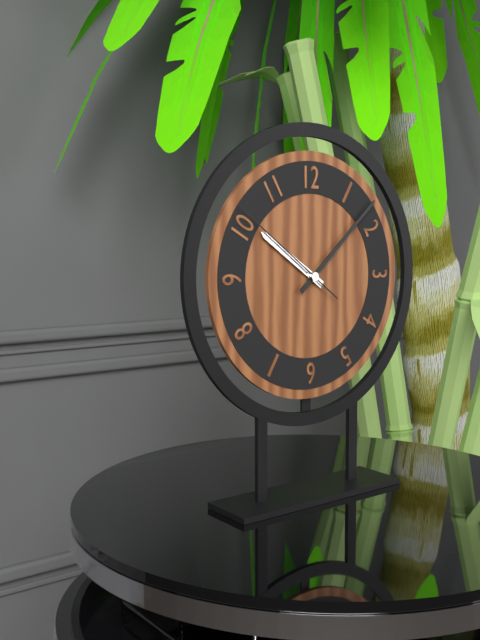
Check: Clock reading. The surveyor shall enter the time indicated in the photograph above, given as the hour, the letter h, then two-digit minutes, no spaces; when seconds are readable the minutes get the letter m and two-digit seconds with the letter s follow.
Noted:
10h08m51s
